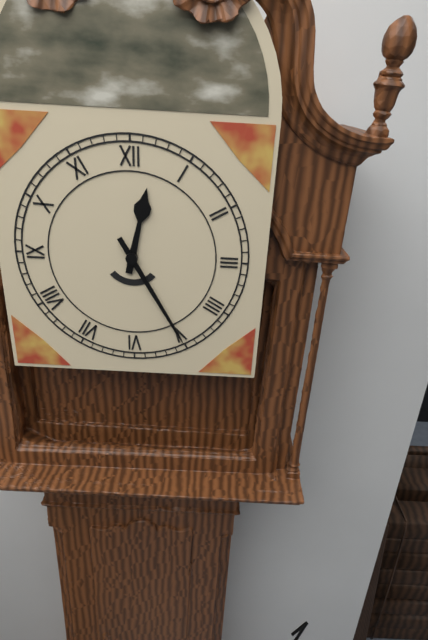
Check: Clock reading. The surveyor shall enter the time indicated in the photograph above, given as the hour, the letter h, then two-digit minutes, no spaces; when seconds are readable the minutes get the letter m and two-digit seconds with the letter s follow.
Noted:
12h25
